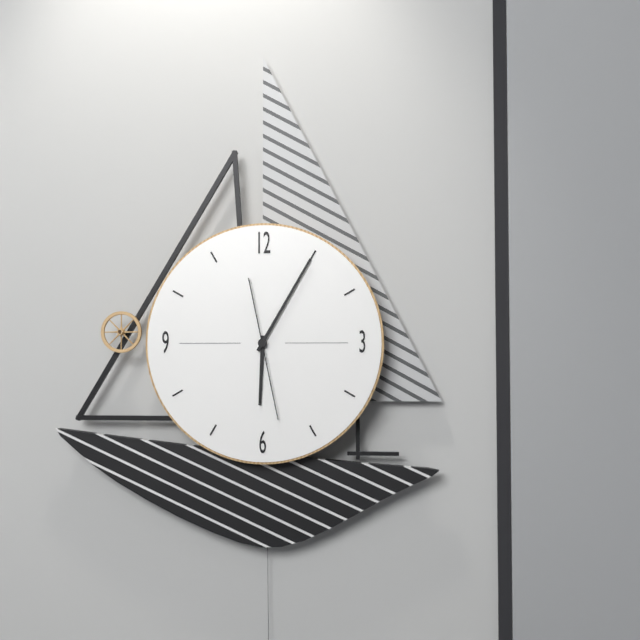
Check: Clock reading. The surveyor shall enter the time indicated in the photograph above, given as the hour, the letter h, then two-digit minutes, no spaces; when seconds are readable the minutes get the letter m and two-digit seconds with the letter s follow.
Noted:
6h05m28s
